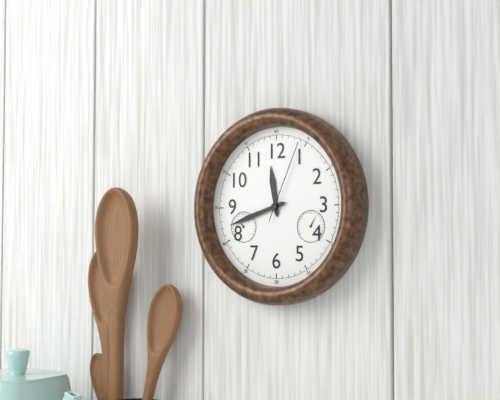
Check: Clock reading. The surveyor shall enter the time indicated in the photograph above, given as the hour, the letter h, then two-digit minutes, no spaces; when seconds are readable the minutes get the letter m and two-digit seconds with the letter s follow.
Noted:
11h42m04s
